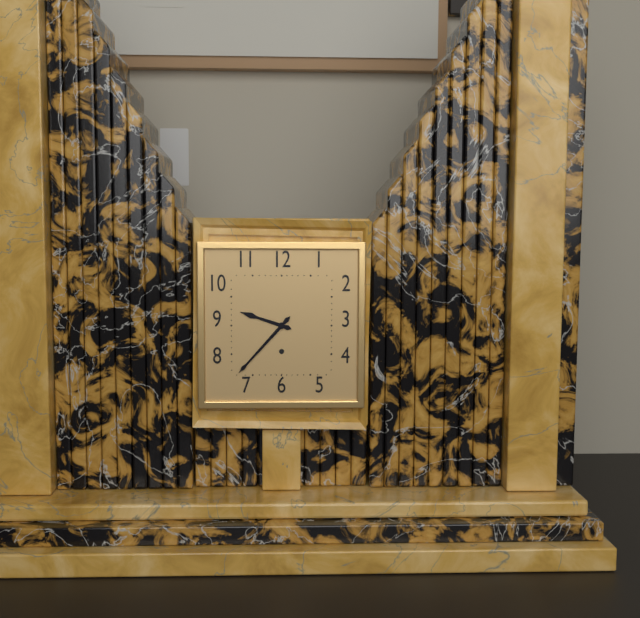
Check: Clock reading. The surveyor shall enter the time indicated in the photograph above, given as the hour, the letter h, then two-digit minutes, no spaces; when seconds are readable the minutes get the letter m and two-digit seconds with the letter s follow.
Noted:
9h37
